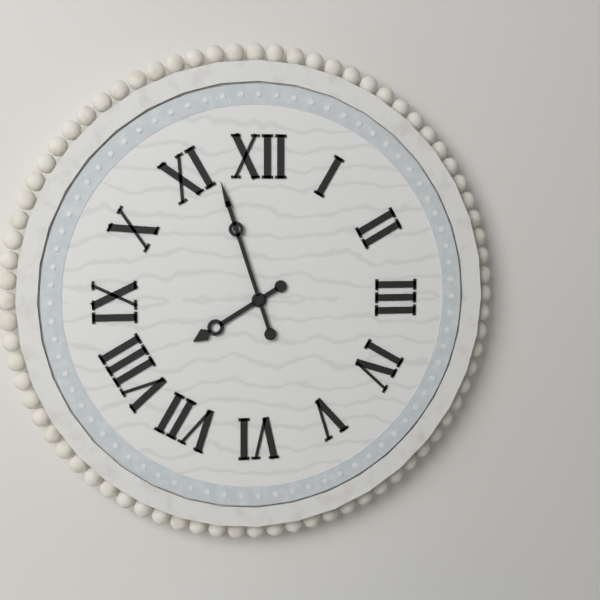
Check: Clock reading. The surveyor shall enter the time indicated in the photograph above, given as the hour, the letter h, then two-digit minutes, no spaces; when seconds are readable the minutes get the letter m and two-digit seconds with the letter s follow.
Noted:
7h57
